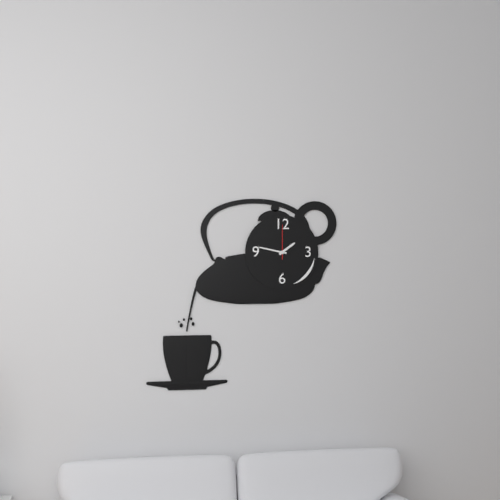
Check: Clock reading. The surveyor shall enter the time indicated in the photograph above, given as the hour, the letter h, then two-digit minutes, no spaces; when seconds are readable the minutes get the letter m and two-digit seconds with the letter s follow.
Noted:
1h47
